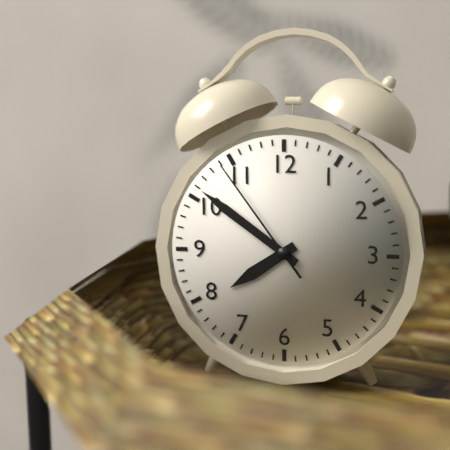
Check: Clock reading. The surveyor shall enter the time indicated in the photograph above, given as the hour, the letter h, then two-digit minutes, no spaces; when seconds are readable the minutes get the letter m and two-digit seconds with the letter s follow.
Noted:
7h51m54s
